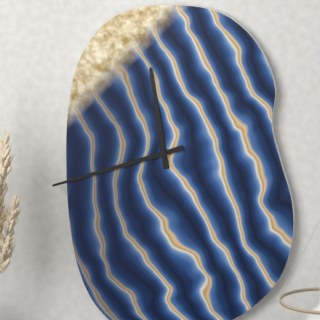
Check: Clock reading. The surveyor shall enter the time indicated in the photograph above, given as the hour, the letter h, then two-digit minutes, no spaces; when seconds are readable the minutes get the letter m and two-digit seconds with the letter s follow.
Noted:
11h42
